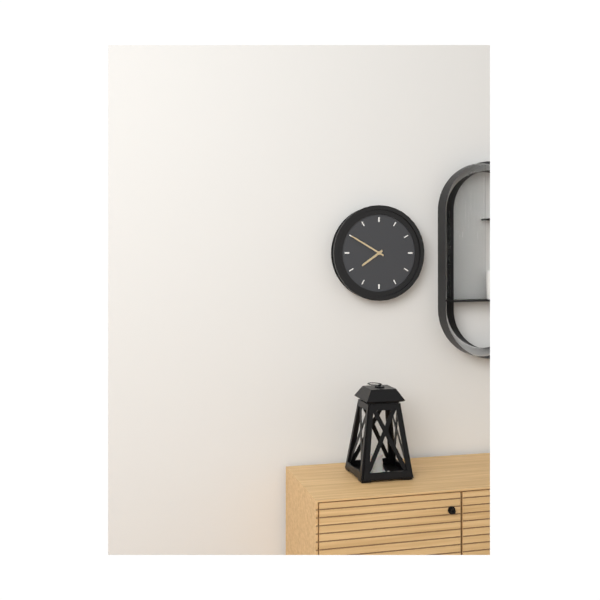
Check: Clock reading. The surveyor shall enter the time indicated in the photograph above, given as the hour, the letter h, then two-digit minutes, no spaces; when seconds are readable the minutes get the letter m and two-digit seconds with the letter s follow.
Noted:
7h50
